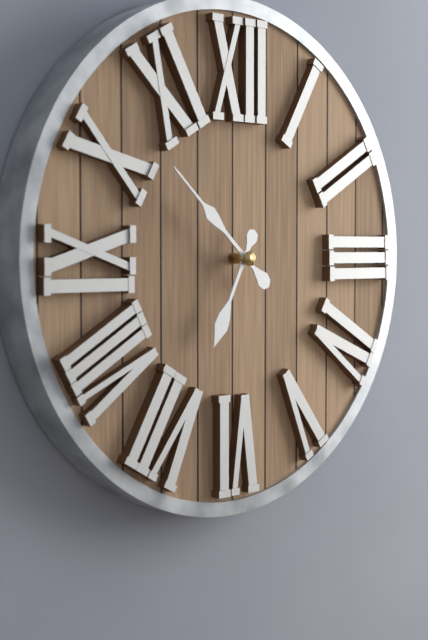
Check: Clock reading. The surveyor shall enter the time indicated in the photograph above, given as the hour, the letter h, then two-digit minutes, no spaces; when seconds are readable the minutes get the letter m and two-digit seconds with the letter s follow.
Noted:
6h52
